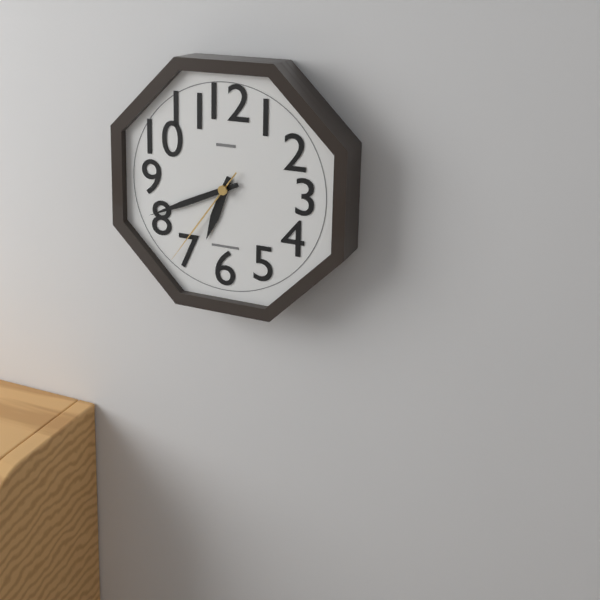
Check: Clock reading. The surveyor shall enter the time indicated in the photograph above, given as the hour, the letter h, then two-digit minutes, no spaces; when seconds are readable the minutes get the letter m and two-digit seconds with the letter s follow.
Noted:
6h41m36s
